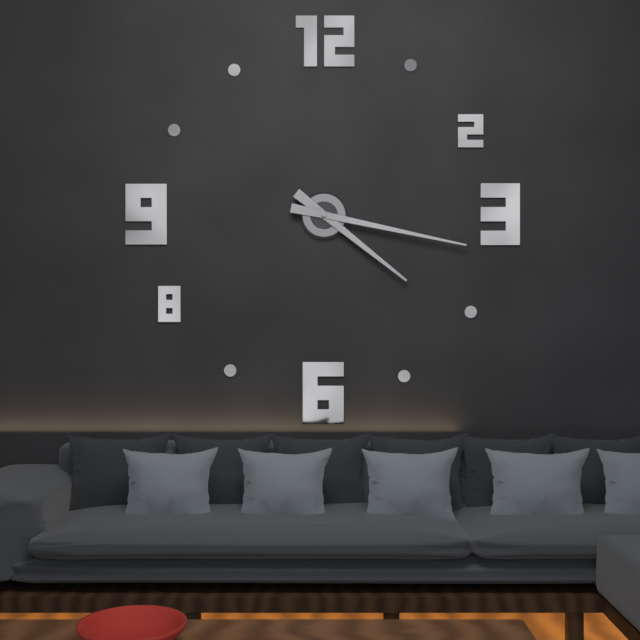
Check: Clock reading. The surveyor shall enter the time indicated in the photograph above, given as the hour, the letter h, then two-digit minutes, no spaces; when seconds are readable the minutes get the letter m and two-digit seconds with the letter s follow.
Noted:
4h17
